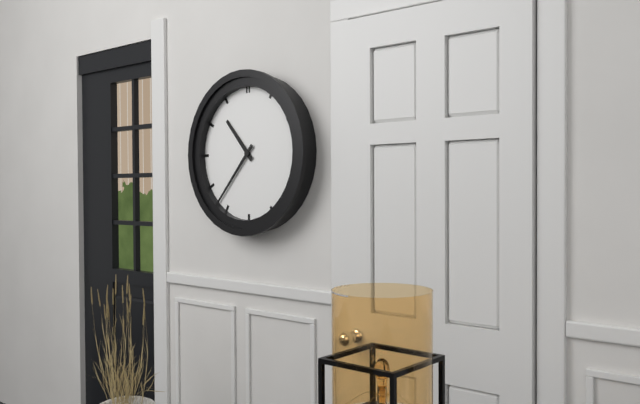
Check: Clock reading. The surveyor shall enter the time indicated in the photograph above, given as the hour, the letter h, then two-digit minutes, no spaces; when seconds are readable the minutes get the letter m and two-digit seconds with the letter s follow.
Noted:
10h37
